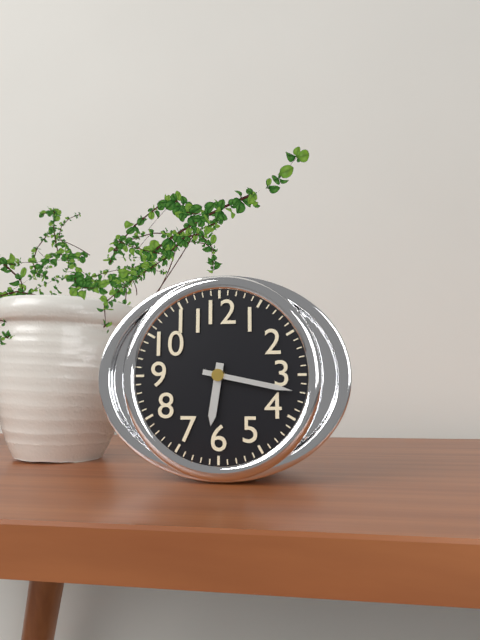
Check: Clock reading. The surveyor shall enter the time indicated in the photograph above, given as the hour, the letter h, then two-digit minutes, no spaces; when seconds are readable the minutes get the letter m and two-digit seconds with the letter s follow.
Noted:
6h17
